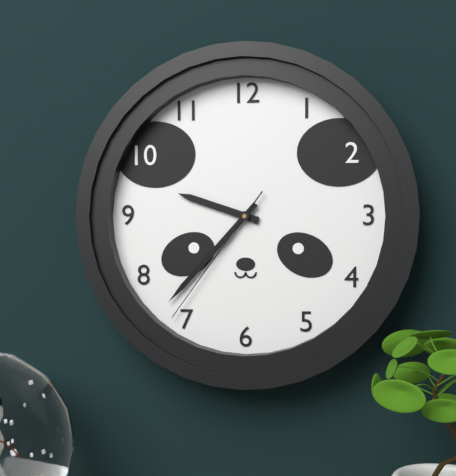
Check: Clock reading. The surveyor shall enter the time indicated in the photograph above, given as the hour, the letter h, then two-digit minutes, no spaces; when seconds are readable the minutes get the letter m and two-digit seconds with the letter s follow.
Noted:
9h37m36s
